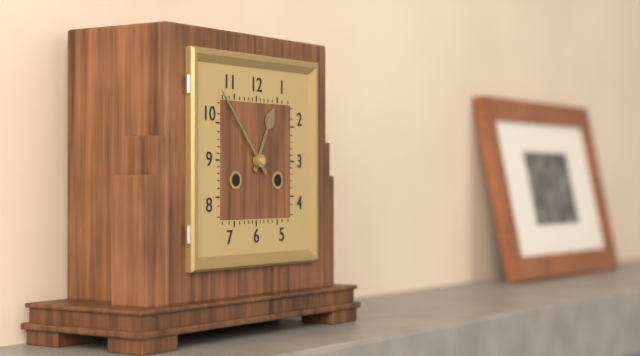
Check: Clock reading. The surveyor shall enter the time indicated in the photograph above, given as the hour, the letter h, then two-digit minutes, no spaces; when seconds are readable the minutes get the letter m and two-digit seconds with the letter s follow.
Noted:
12h53
